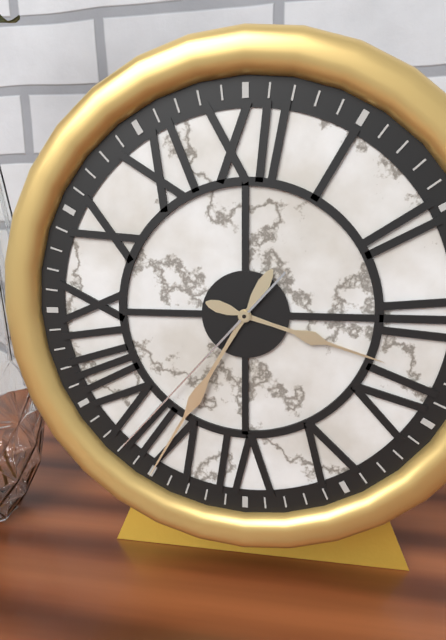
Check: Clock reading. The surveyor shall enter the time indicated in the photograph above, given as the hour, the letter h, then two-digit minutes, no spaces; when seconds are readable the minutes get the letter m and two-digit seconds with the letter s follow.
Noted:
3h35m37s
